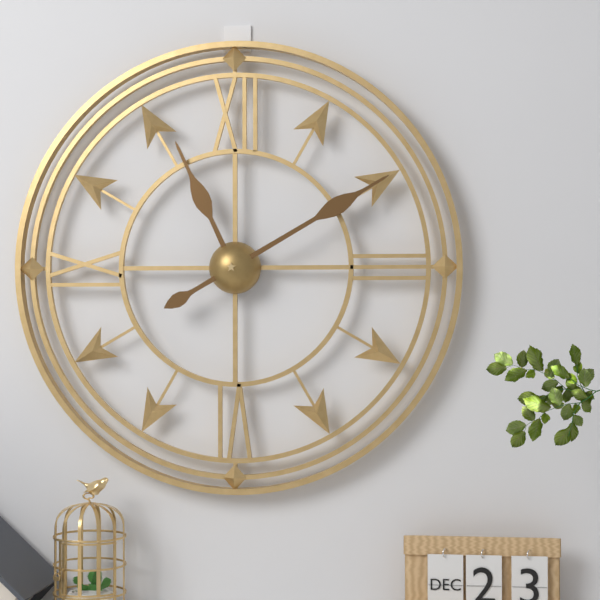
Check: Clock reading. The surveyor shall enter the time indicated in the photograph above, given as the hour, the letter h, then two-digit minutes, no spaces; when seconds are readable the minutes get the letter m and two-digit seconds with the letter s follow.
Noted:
11h10
